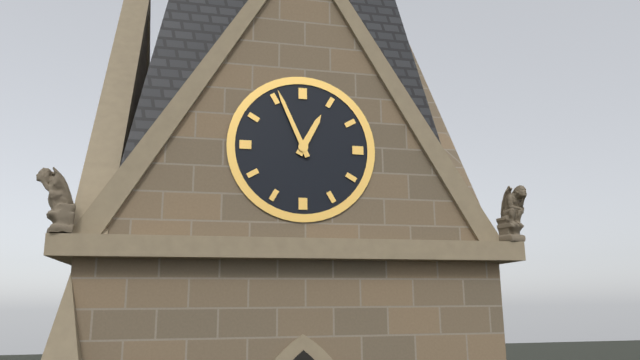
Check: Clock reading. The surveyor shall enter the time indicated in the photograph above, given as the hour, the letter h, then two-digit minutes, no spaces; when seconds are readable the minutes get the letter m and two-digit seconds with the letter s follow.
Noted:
12h56
